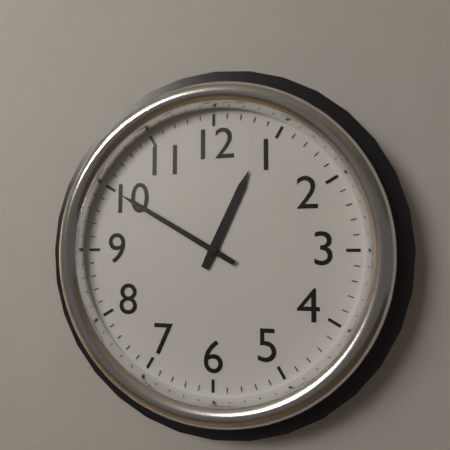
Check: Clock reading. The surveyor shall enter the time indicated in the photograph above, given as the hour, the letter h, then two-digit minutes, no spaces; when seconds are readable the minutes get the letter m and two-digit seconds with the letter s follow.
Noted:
12h50
